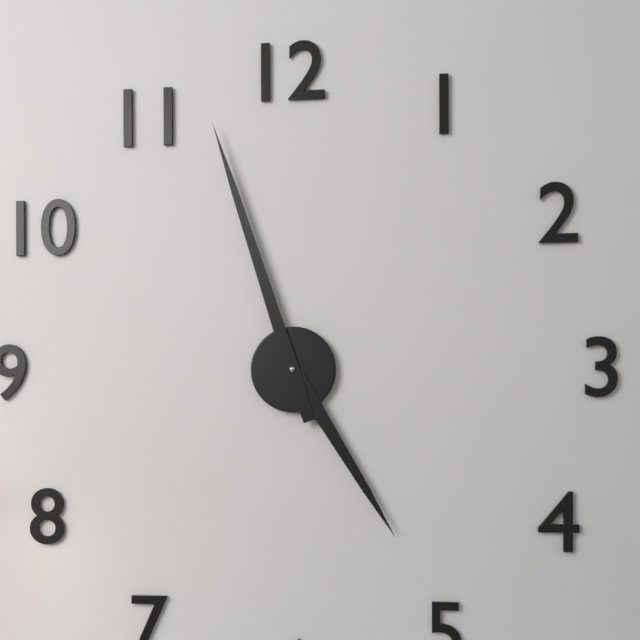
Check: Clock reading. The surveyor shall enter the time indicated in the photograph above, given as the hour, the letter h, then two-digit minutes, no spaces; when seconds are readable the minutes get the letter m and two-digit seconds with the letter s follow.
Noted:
4h57
